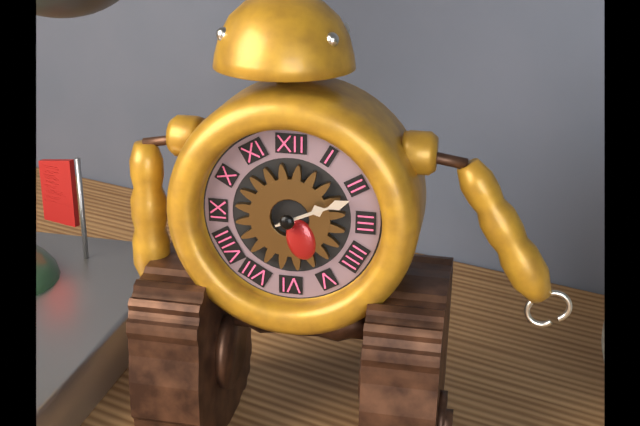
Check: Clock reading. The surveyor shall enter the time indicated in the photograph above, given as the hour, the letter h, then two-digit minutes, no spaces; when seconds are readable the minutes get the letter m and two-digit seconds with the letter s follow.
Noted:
2h11
